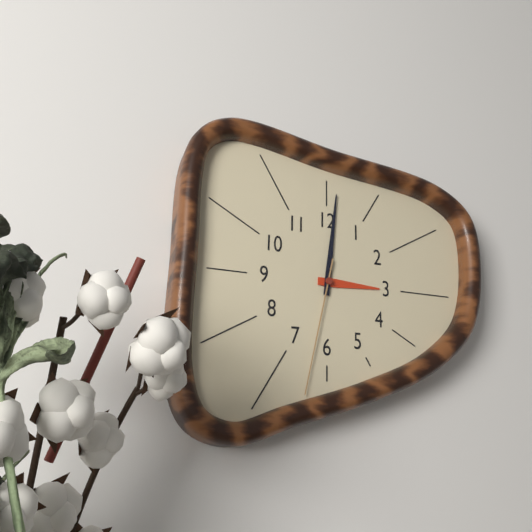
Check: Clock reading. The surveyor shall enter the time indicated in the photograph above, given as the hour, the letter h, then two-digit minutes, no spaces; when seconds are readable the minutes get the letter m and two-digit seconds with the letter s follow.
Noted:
3h01m32s
